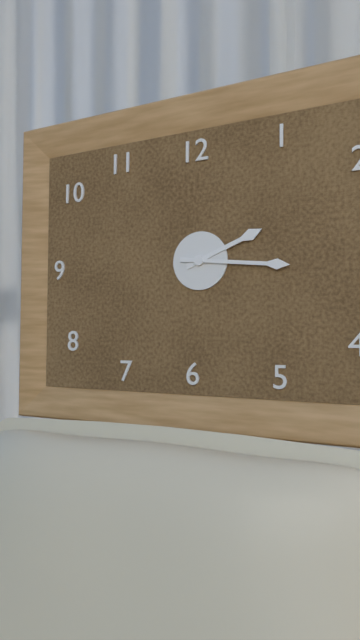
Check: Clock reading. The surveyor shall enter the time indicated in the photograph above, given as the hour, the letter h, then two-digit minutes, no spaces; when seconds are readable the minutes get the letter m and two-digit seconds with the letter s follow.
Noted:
2h16
